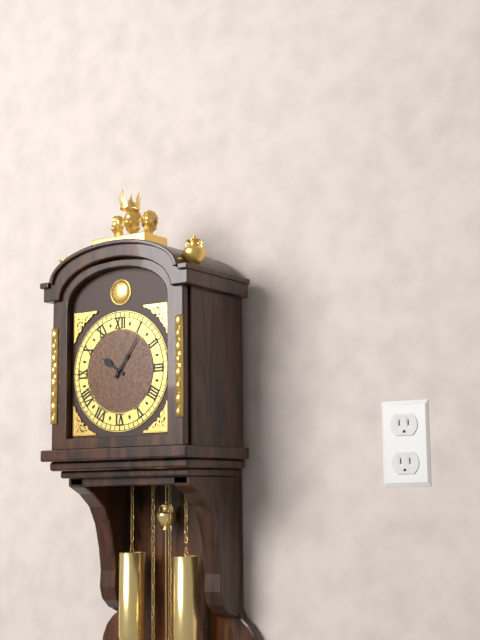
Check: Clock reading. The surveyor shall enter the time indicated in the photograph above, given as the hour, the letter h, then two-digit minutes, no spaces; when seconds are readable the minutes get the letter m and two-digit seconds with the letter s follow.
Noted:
10h06
